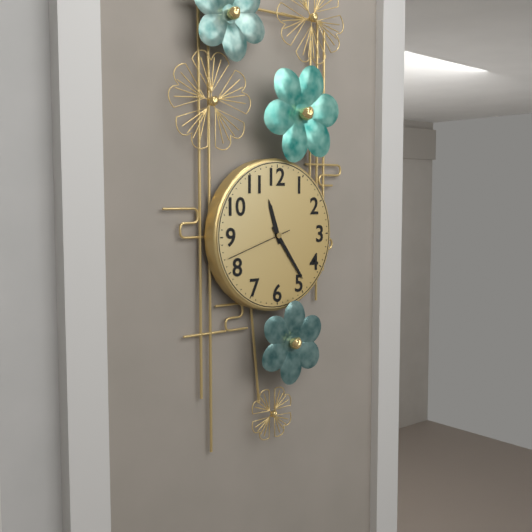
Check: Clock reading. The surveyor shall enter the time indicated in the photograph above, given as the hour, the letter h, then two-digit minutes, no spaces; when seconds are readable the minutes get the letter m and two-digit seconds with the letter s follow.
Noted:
11h24m42s
